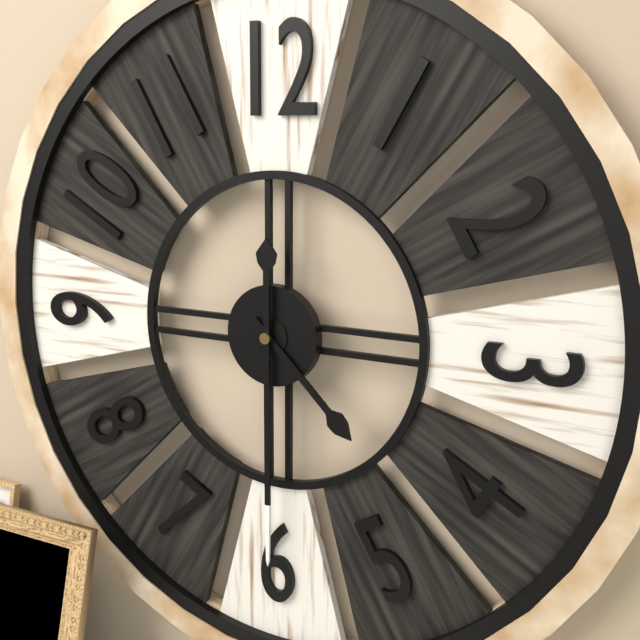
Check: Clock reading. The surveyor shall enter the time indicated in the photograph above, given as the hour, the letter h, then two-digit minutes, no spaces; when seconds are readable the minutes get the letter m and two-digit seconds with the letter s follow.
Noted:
4h30
